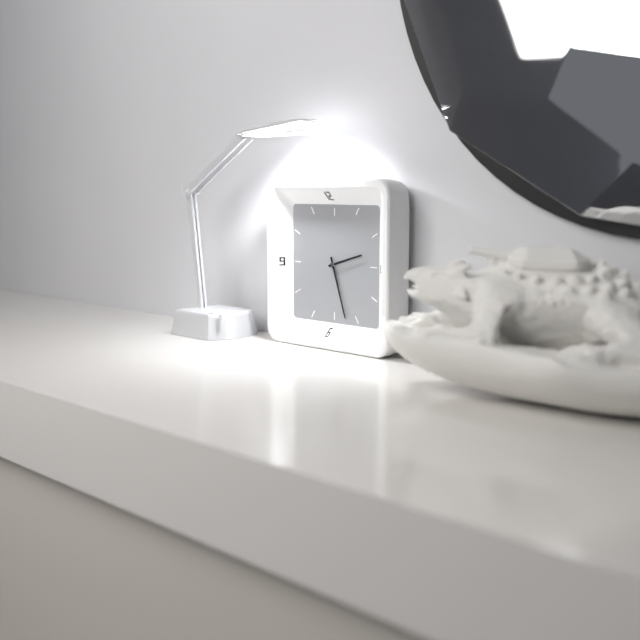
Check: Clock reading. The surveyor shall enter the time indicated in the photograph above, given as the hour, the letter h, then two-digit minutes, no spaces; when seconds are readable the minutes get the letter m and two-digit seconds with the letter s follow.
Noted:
2h27
